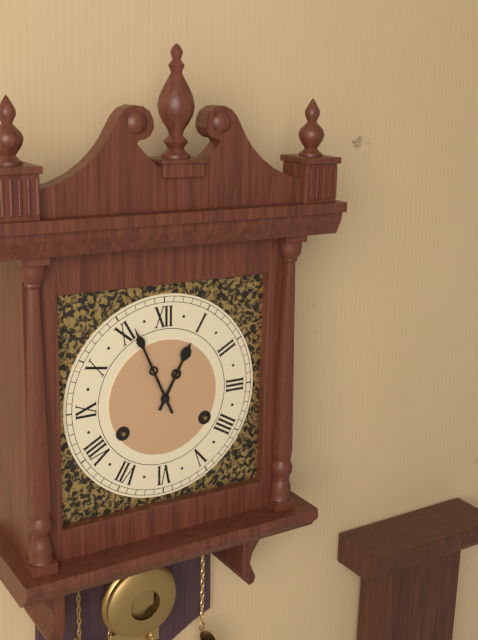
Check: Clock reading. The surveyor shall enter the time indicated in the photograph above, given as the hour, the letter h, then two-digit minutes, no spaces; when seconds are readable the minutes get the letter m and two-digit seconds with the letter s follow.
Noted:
12h56
